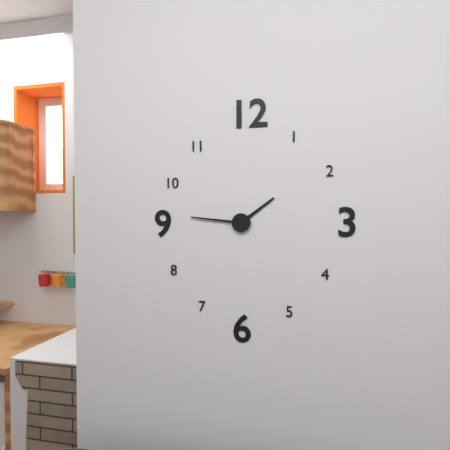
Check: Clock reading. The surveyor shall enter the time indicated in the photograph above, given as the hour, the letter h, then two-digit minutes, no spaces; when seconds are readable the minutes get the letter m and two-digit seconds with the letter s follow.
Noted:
1h46
